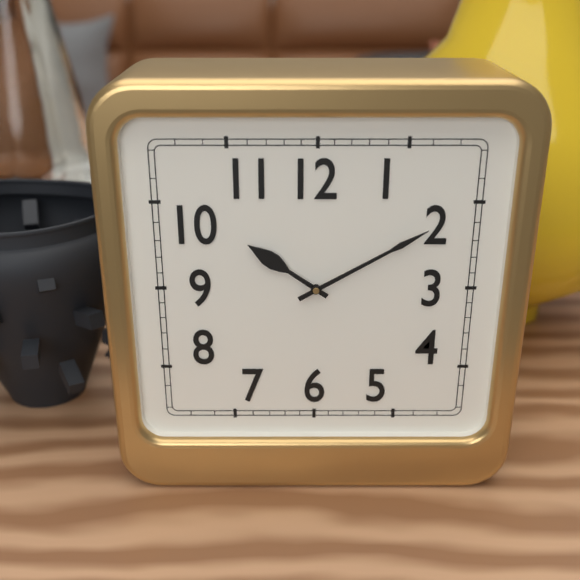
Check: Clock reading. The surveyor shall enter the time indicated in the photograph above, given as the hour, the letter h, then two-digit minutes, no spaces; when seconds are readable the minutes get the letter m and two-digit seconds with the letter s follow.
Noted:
10h10
